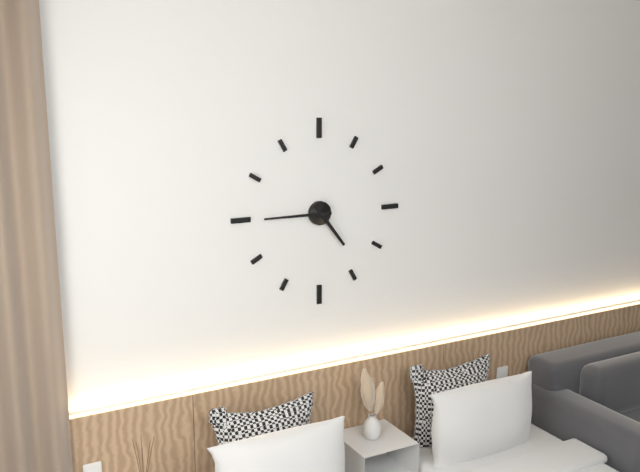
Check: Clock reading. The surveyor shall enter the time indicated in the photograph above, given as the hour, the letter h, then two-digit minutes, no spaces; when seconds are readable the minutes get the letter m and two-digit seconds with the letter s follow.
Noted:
4h45
